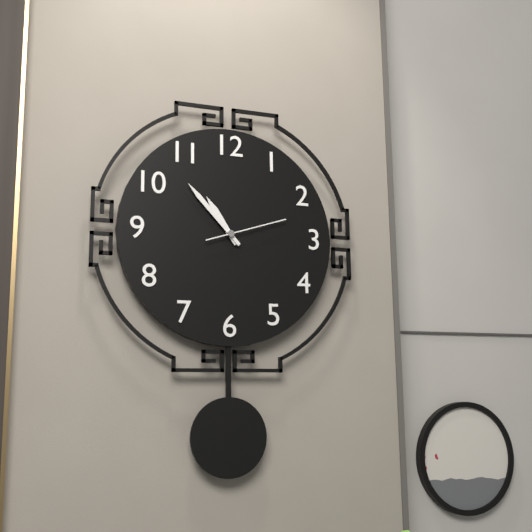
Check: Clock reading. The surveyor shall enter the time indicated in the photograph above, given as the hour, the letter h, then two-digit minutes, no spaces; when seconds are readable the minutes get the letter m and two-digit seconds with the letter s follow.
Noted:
10h53m12s
